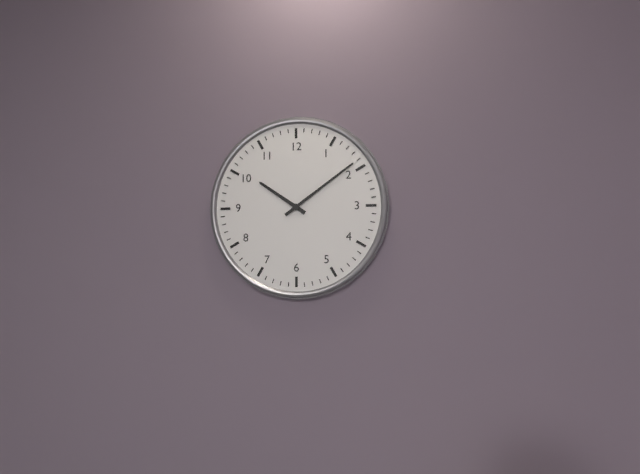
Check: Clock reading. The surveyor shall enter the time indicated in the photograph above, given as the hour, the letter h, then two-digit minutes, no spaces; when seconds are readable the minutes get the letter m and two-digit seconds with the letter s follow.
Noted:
10h09
